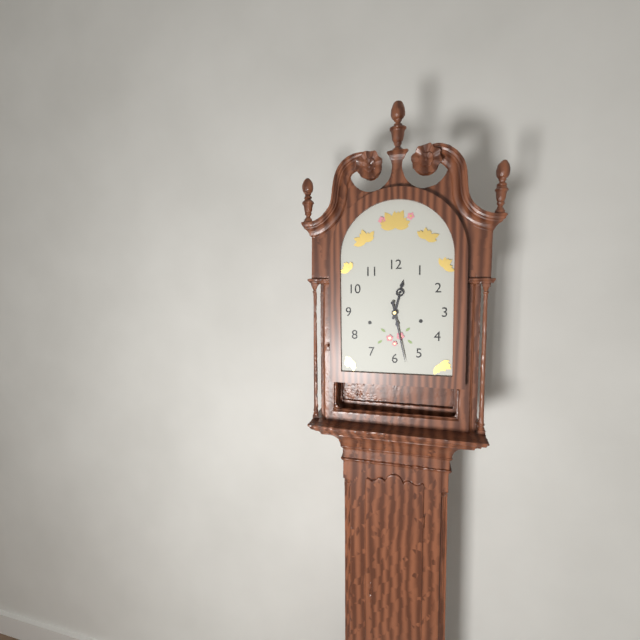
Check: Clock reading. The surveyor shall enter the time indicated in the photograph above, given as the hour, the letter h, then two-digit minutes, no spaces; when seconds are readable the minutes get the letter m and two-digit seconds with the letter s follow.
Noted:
12h28
